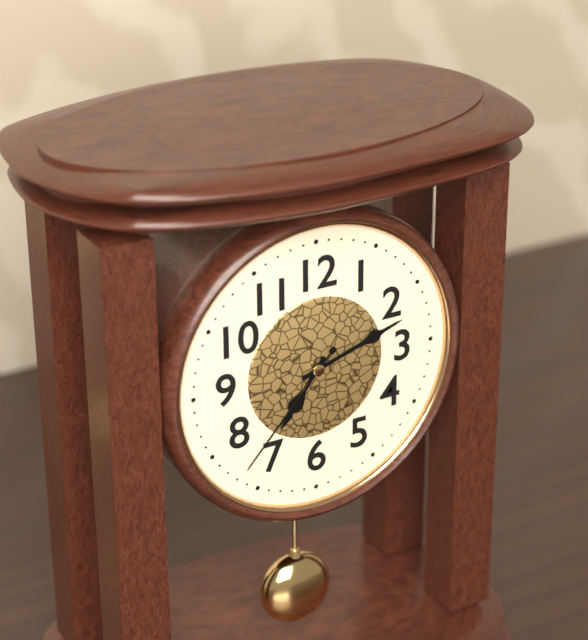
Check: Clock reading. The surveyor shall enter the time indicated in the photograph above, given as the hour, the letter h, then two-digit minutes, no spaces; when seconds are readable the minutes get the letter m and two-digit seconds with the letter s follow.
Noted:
7h12m37s
